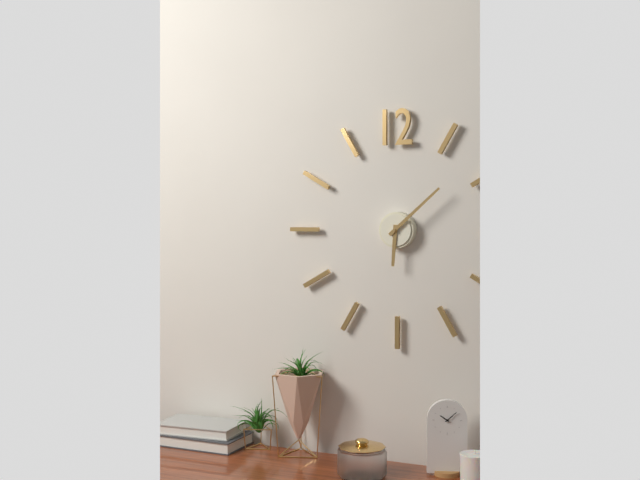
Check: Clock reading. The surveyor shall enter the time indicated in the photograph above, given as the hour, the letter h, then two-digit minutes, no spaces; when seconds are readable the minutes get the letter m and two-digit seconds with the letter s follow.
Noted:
6h08
